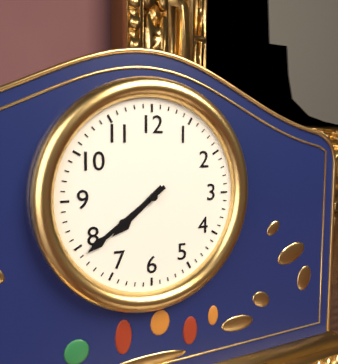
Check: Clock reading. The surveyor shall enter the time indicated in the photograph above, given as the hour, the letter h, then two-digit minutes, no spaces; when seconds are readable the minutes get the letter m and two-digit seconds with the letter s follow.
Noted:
7h39
